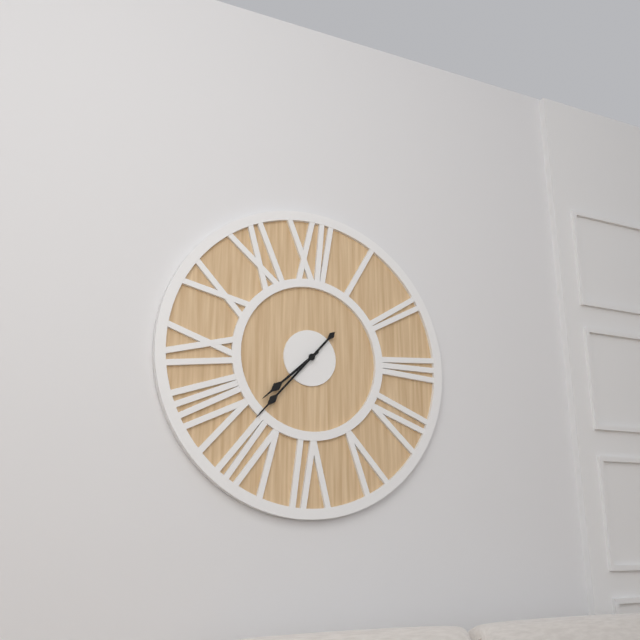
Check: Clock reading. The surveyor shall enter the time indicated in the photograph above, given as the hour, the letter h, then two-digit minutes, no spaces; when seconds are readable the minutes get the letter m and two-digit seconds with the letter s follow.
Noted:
7h37
